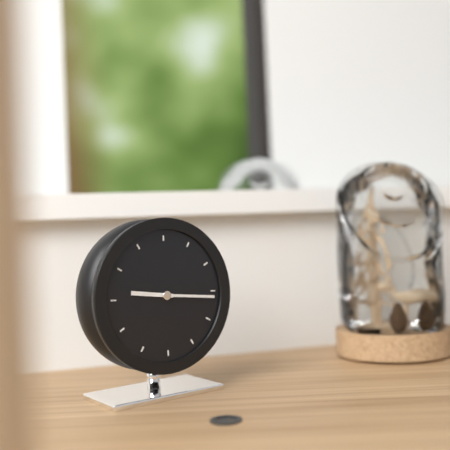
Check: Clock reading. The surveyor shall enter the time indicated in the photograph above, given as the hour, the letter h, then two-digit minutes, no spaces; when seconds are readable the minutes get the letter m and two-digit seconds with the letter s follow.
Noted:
9h16
